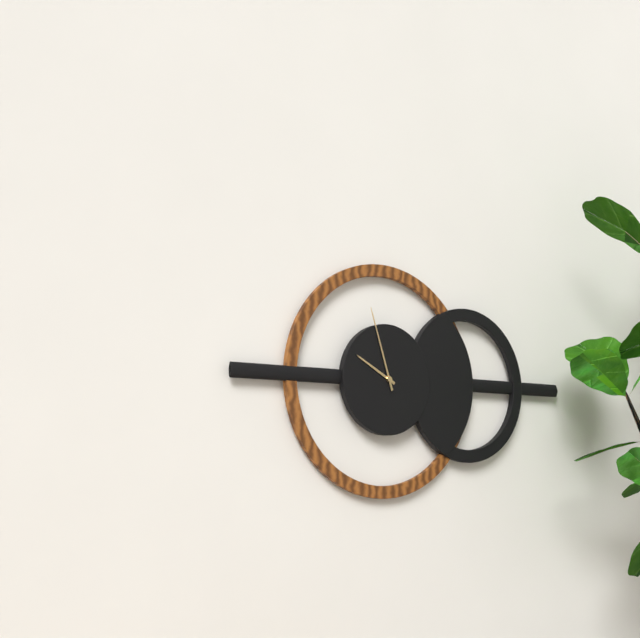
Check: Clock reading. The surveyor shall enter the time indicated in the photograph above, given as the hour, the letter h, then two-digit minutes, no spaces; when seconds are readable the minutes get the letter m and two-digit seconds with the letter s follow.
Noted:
9h57
